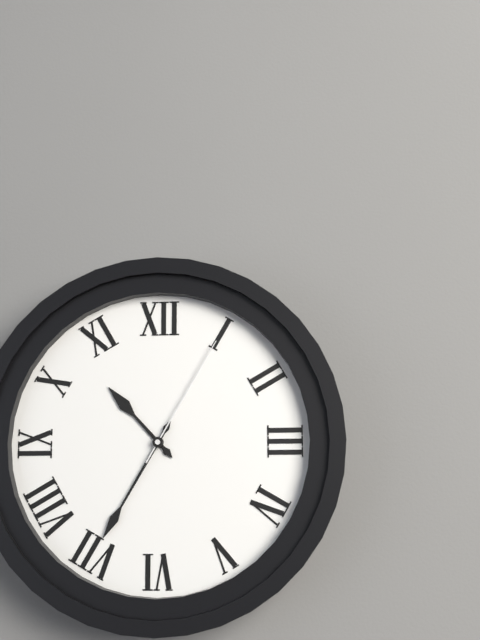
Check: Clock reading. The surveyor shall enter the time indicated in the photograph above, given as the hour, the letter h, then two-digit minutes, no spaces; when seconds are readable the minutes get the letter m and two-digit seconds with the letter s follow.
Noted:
10h35m05s
